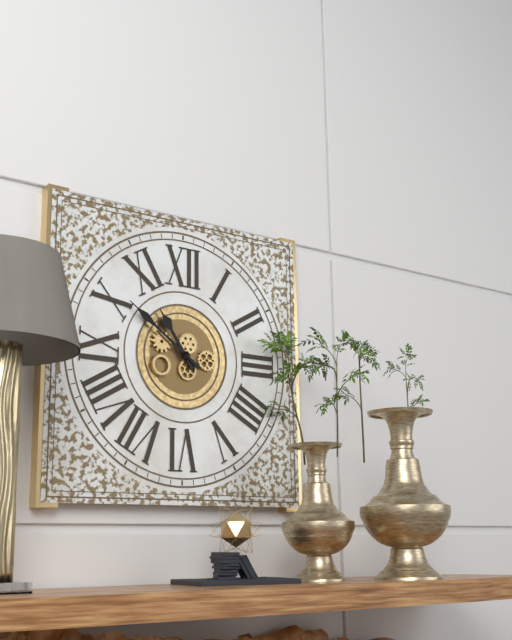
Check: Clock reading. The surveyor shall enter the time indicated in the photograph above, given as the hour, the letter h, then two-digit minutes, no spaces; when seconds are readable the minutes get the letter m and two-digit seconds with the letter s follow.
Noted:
10h51
